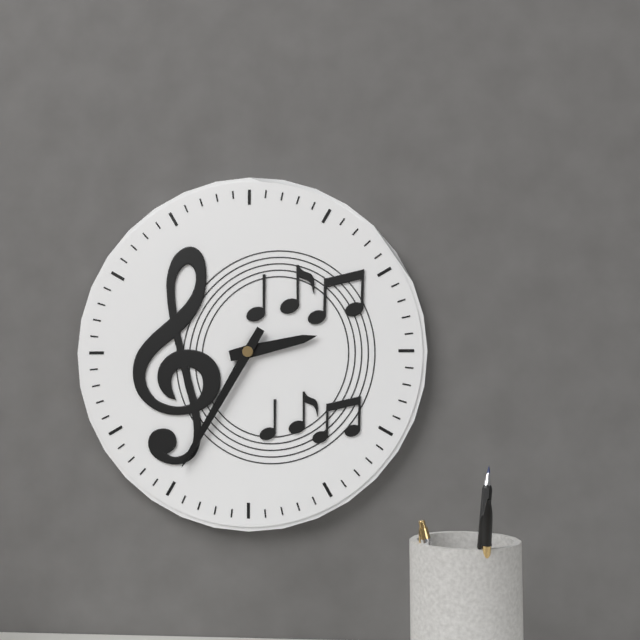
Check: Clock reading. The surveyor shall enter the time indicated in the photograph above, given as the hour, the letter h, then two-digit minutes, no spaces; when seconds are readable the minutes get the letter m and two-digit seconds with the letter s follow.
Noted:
2h35
